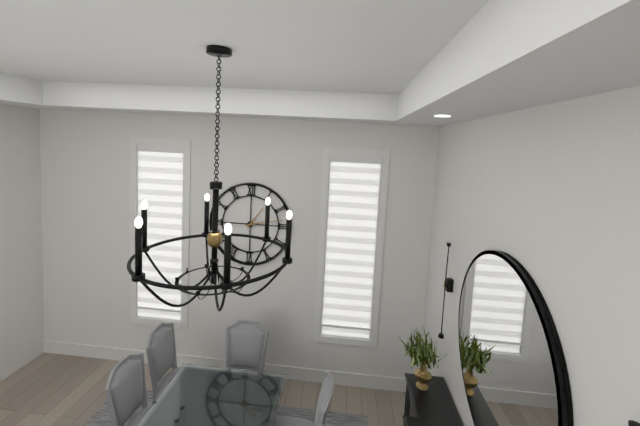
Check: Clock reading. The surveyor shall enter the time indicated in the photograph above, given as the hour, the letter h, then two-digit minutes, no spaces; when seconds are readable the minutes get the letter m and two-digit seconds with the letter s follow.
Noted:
1h13
